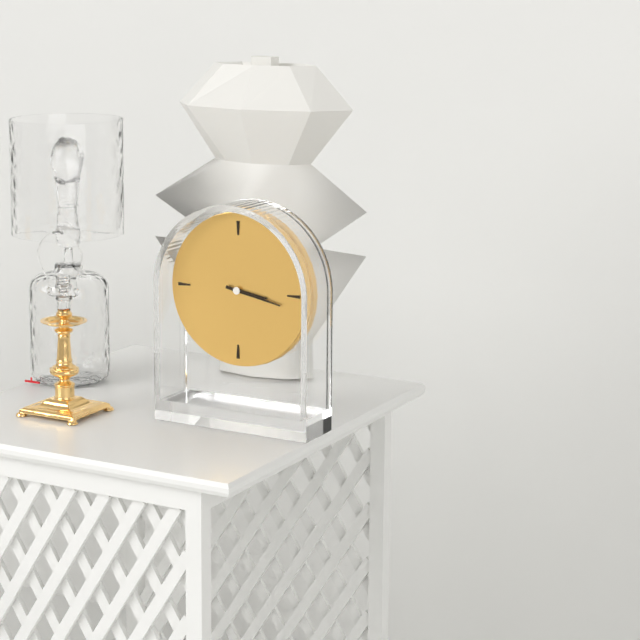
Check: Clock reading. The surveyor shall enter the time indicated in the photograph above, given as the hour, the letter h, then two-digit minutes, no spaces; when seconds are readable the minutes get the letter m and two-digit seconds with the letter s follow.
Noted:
3h17
